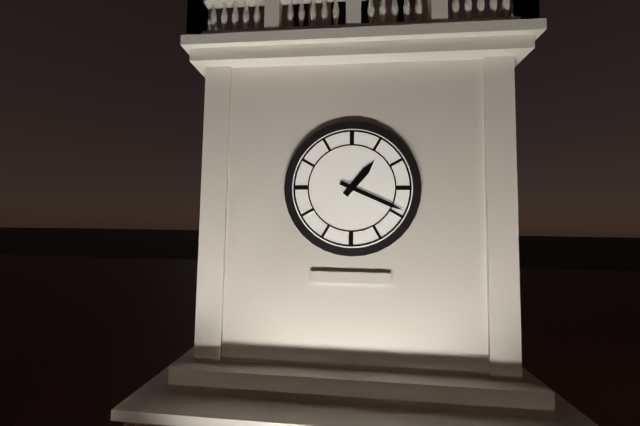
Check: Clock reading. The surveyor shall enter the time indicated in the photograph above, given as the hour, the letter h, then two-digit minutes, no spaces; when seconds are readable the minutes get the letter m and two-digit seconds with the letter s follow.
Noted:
1h19
